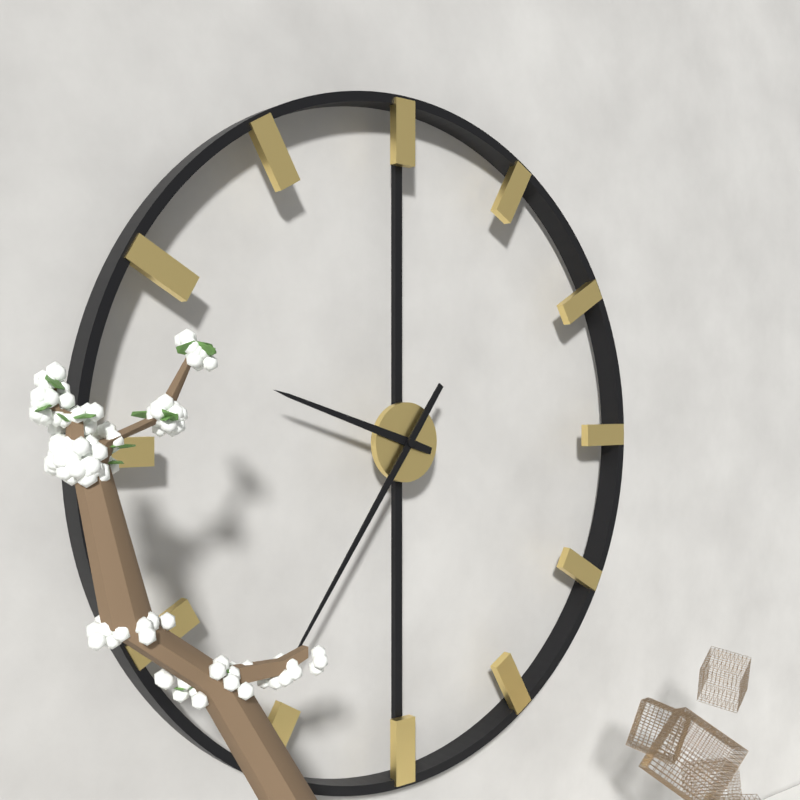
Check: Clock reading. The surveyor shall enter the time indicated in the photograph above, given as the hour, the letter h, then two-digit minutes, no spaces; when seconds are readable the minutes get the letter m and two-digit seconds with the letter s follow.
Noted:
9h36
